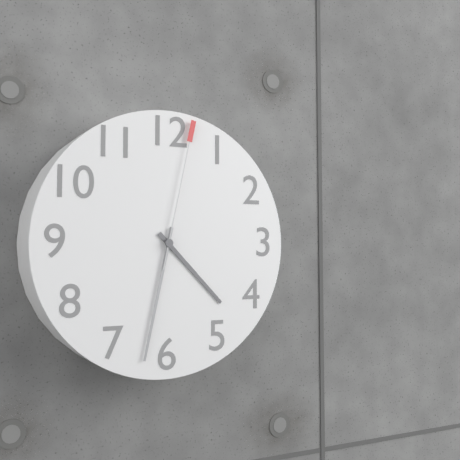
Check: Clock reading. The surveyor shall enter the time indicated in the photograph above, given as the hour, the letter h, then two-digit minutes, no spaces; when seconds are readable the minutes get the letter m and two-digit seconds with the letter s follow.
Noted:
4h32m02s
